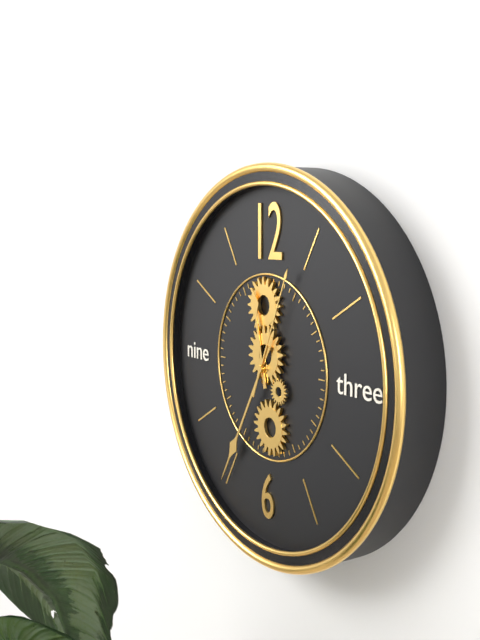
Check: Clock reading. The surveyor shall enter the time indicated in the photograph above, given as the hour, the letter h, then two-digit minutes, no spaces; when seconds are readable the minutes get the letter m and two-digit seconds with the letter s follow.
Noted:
11h35m04s
